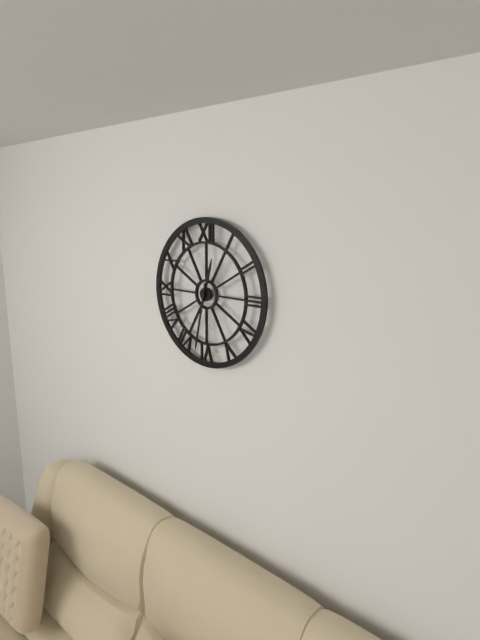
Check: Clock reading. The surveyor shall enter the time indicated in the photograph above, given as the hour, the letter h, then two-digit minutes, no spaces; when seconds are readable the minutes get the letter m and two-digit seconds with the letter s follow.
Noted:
12h32
